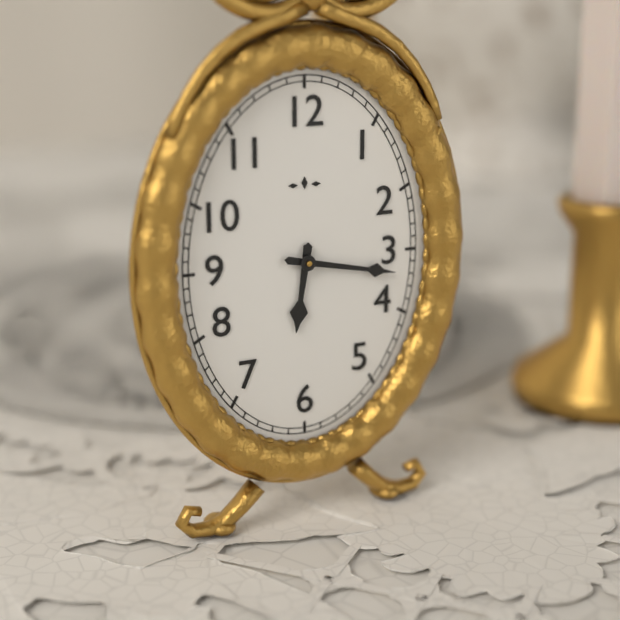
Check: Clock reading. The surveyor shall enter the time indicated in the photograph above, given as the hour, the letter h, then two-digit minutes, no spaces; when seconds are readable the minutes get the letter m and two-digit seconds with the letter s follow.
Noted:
6h17
